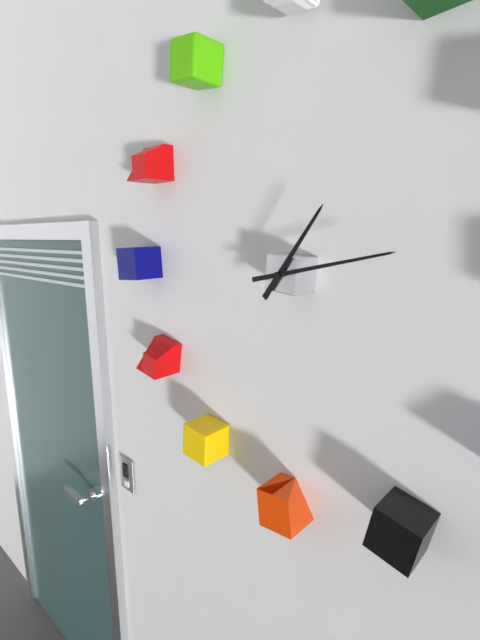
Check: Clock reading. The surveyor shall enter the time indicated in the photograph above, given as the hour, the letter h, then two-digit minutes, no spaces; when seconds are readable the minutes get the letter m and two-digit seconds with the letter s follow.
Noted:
1h13
